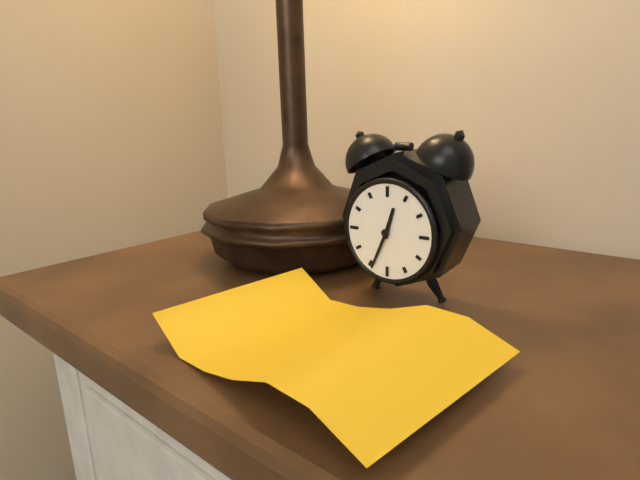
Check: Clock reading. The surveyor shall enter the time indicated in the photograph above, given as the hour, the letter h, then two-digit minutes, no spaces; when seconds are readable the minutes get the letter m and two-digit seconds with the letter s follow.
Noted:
12h34
